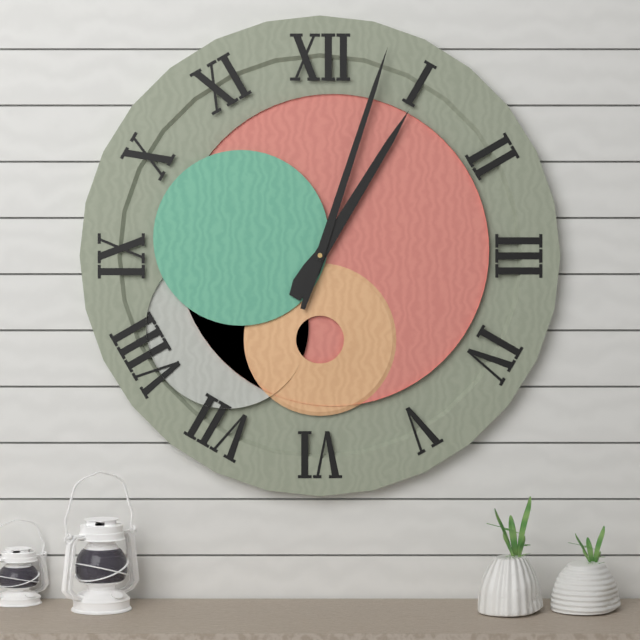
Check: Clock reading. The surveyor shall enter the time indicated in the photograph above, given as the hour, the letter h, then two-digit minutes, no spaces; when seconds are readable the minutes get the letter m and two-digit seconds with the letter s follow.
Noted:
1h03
